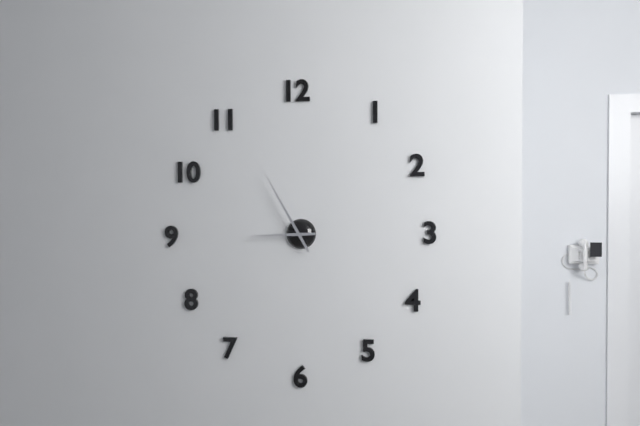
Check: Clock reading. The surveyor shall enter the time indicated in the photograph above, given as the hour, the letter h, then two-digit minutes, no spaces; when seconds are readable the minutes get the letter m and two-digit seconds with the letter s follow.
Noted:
8h55
